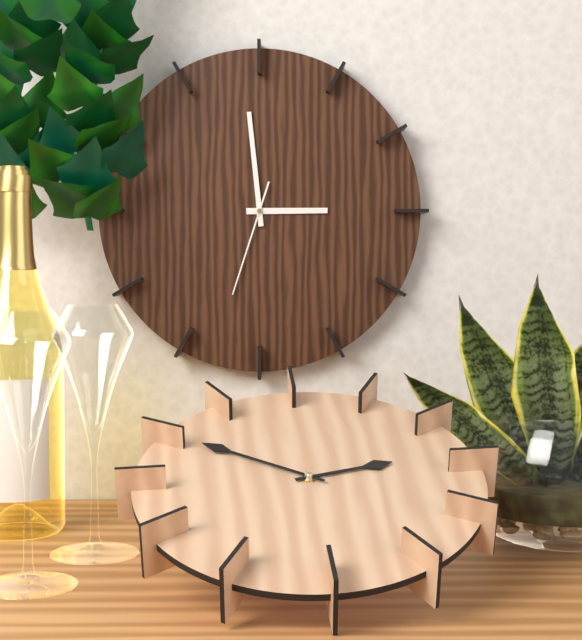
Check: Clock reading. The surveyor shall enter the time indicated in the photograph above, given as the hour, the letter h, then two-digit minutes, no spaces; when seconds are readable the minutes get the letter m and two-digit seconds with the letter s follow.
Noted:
2h59m33s
